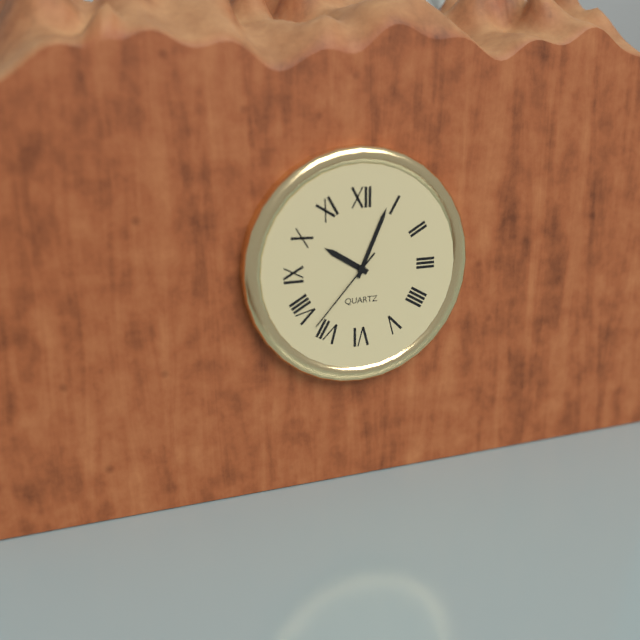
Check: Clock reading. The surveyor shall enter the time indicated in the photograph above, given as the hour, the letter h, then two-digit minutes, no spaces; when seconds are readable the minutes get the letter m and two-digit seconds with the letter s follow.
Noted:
10h04m37s
